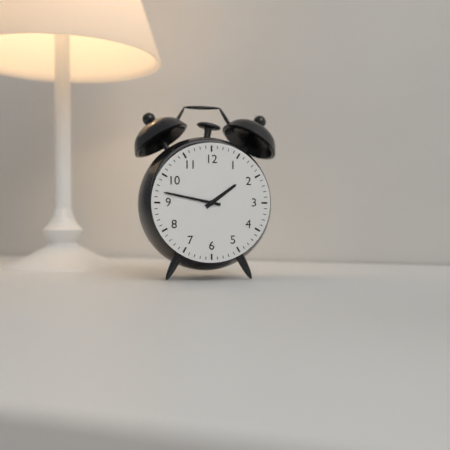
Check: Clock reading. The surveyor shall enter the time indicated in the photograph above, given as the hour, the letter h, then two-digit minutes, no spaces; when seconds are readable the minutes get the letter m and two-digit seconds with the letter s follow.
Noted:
1h47
